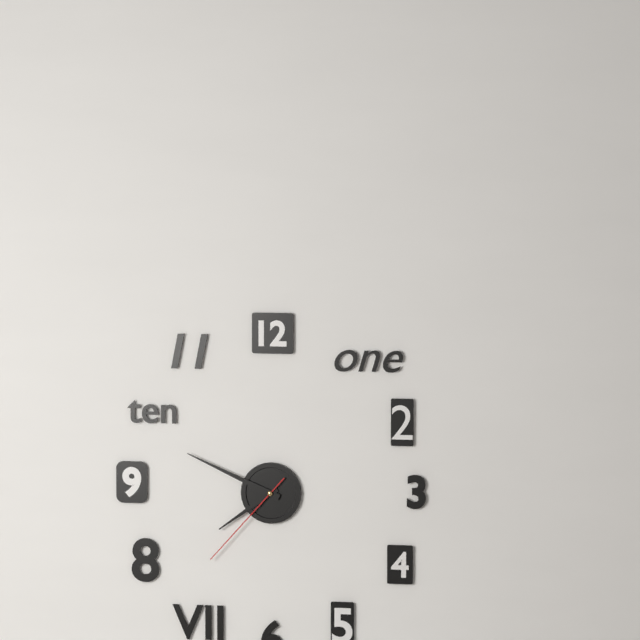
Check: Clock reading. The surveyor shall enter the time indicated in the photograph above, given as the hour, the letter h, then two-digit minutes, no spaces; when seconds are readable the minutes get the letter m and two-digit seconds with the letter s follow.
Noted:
7h49m37s
